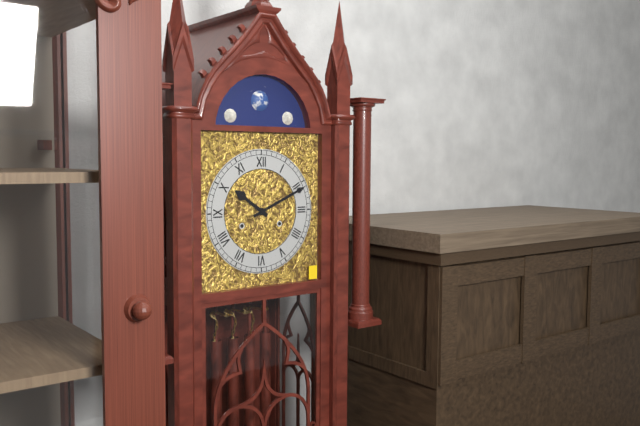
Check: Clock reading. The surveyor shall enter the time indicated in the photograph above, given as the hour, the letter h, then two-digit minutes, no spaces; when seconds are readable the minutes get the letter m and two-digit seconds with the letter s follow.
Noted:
10h11
